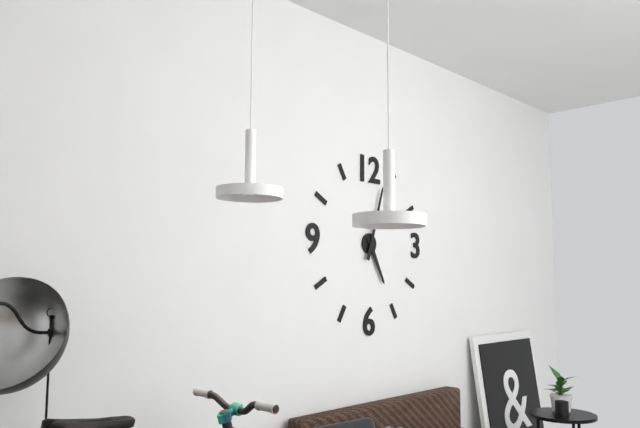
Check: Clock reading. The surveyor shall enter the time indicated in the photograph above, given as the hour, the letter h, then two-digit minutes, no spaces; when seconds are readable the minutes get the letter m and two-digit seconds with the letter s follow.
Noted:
5h03
